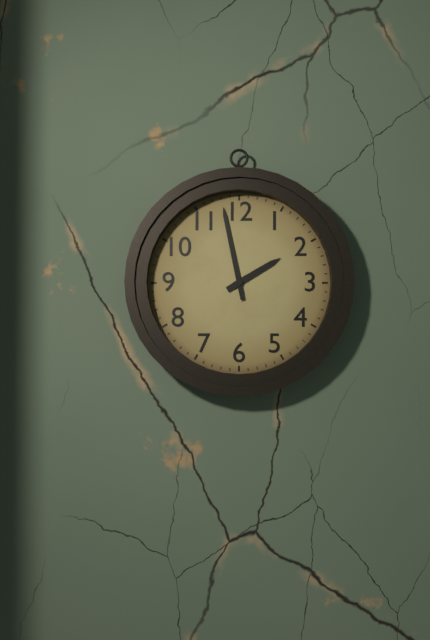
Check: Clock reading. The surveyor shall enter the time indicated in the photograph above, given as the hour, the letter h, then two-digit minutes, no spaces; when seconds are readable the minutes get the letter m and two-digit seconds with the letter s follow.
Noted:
1h58
